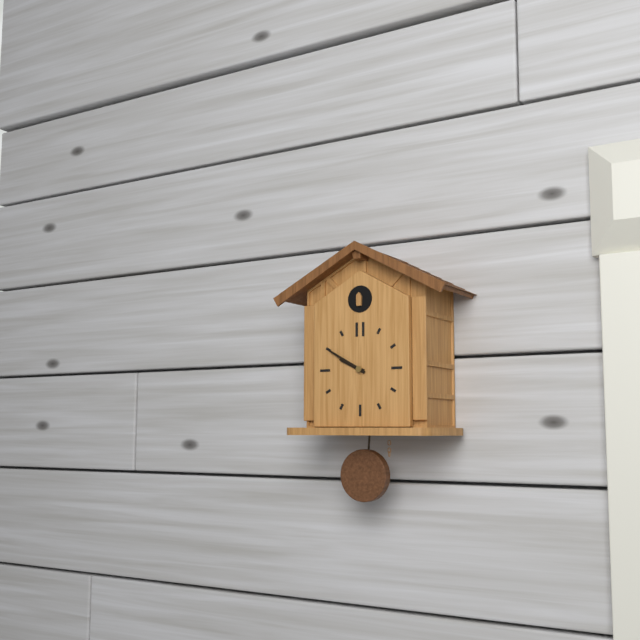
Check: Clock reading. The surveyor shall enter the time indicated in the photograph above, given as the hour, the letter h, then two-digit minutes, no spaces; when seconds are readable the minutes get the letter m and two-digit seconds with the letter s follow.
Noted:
9h50
